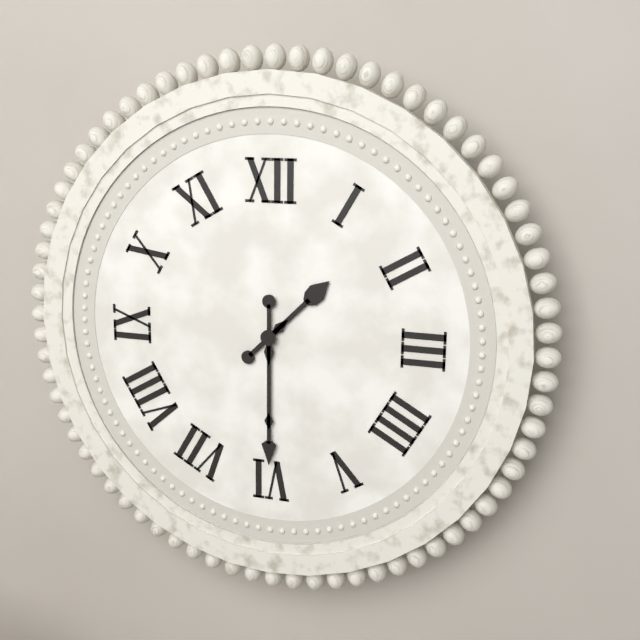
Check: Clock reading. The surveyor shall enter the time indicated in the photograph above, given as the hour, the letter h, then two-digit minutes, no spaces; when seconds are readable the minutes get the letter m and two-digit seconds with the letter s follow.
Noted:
1h30
